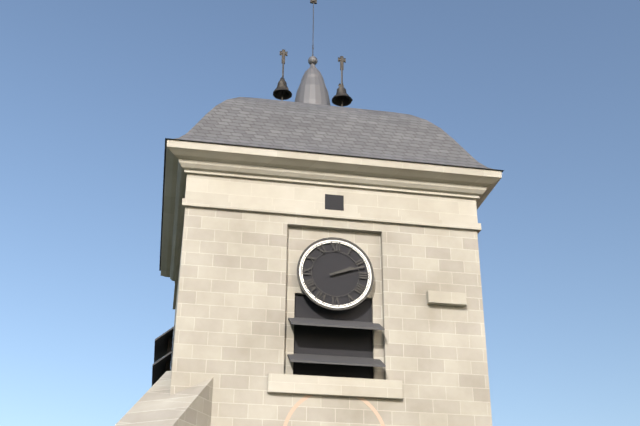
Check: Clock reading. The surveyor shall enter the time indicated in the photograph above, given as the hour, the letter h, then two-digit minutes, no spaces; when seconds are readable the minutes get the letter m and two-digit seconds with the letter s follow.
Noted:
2h12
